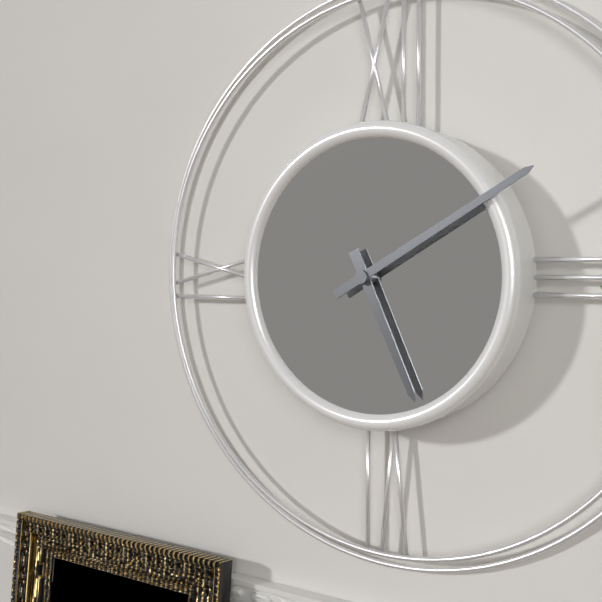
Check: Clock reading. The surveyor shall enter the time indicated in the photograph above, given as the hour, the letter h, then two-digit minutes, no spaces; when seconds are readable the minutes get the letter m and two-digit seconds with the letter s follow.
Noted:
5h10
